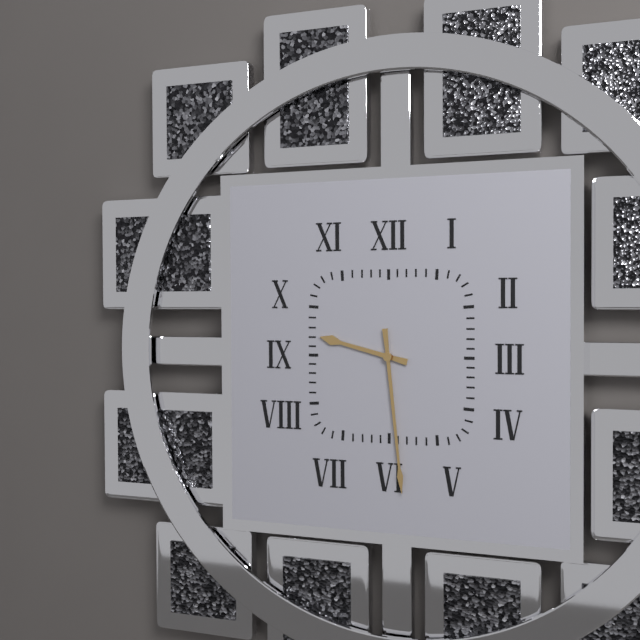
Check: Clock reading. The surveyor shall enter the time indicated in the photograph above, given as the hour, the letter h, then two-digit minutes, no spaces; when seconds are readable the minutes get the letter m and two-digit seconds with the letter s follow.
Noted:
9h29
